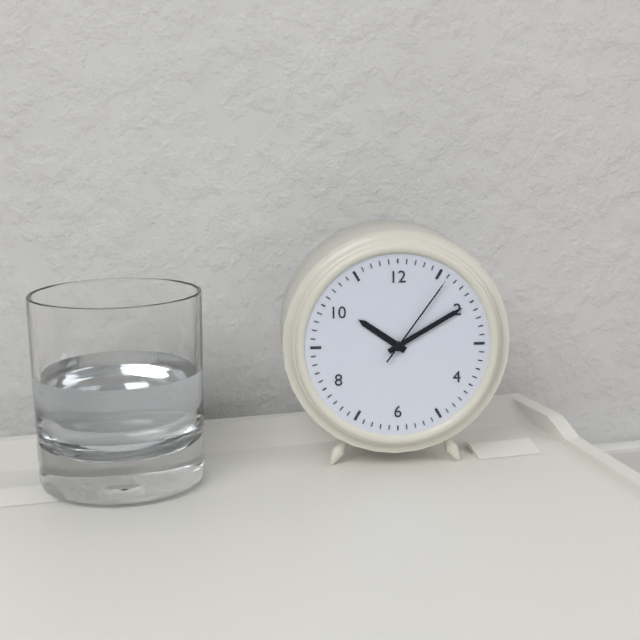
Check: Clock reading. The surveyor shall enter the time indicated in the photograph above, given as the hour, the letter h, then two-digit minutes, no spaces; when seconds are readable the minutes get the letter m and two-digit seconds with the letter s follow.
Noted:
10h10m06s
